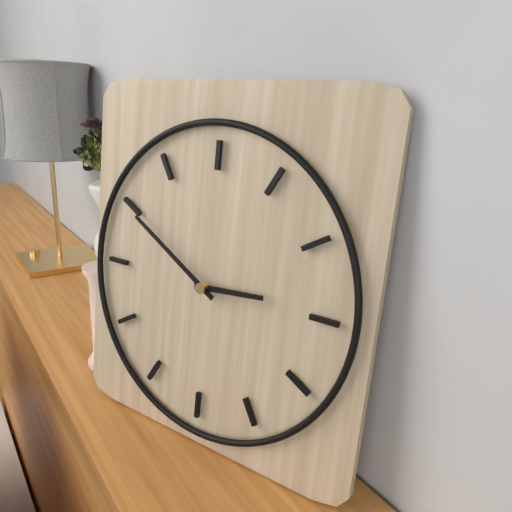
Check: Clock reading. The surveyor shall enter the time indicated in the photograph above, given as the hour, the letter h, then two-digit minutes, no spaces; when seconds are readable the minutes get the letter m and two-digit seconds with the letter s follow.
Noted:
2h50
